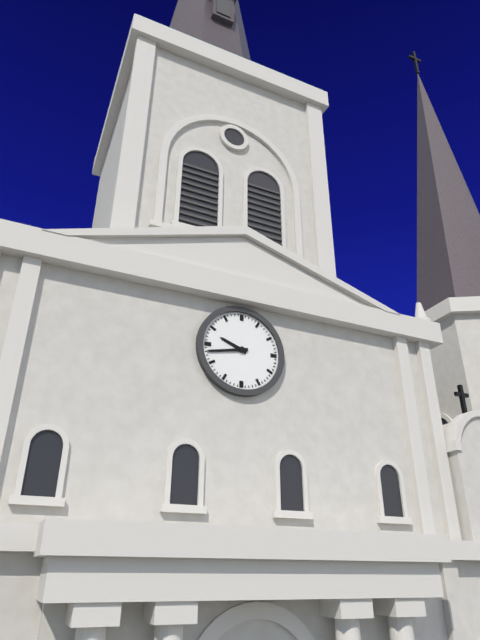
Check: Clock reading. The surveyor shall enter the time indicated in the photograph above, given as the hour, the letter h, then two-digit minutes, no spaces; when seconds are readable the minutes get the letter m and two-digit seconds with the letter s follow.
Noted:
9h43
